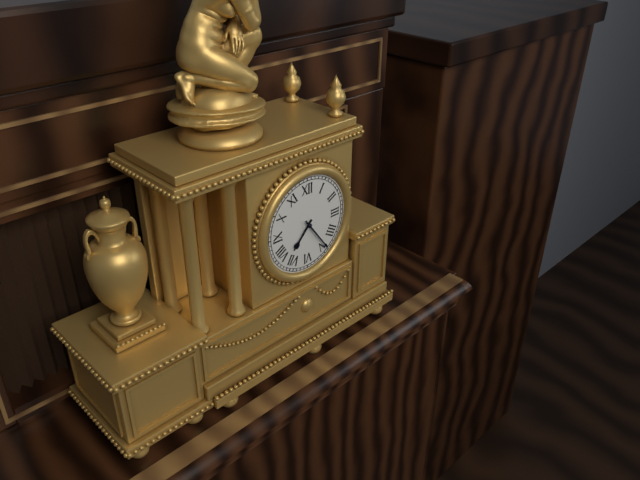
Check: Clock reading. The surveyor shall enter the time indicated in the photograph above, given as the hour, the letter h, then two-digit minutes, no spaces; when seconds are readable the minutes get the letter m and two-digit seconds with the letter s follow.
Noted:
7h24
